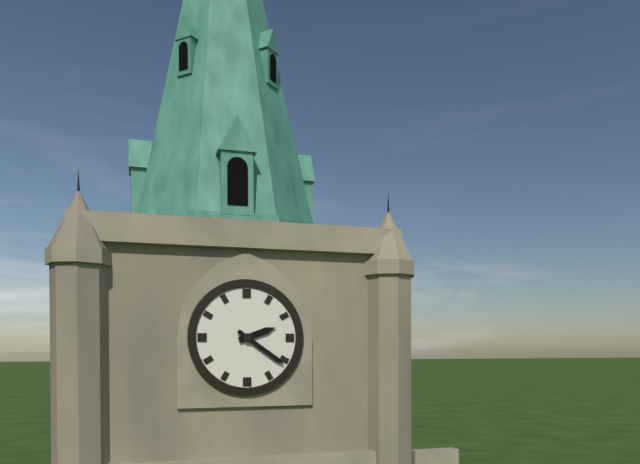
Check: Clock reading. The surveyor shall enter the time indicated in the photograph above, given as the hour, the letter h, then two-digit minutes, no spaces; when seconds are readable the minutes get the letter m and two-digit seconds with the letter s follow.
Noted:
2h21
